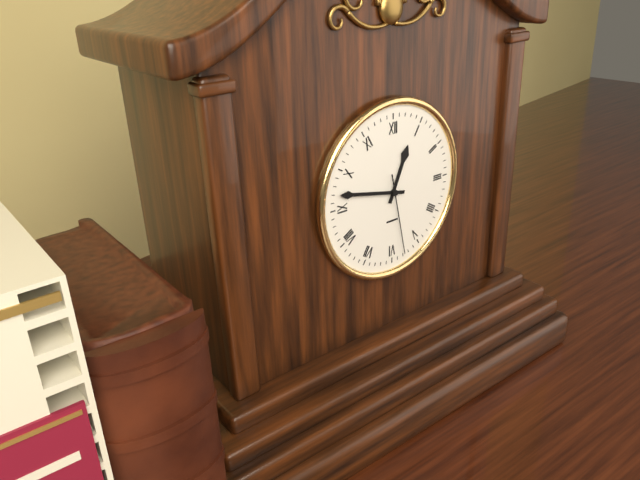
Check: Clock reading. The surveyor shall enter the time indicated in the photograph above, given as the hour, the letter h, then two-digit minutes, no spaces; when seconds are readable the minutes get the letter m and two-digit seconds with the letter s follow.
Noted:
12h47m28s
